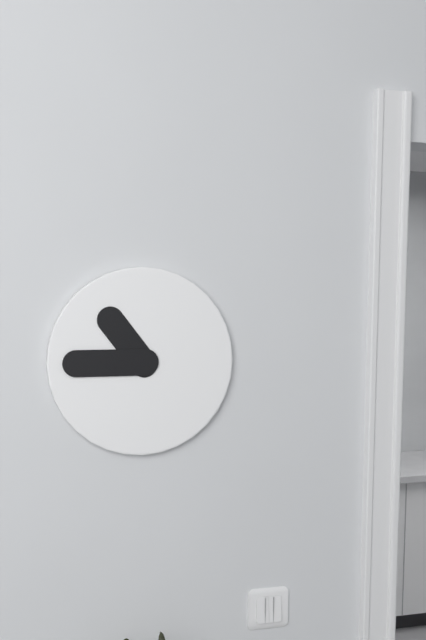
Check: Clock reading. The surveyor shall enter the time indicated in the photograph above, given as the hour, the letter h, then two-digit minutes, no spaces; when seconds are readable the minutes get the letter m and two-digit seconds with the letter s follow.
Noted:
10h45
